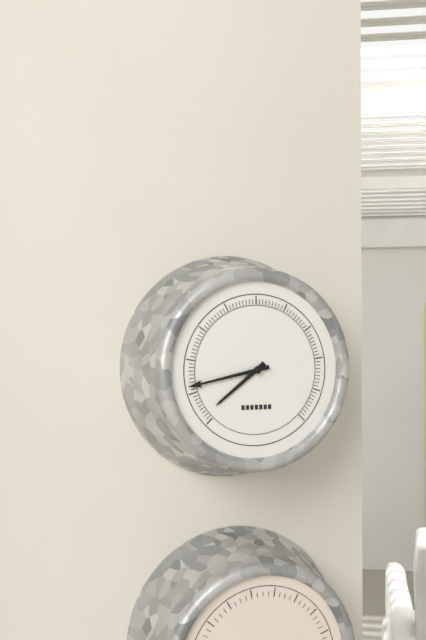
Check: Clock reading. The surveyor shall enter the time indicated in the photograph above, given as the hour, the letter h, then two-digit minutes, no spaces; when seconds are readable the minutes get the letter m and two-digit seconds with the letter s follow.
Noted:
7h43
